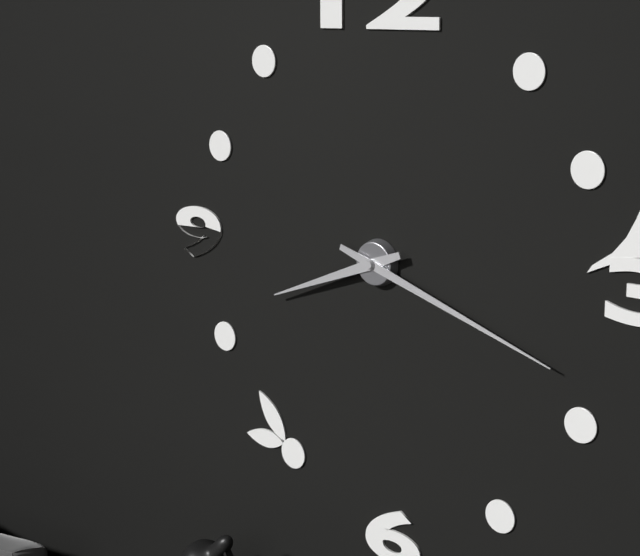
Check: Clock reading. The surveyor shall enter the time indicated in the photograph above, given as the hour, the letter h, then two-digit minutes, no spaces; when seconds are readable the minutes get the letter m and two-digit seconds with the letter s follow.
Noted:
8h18
